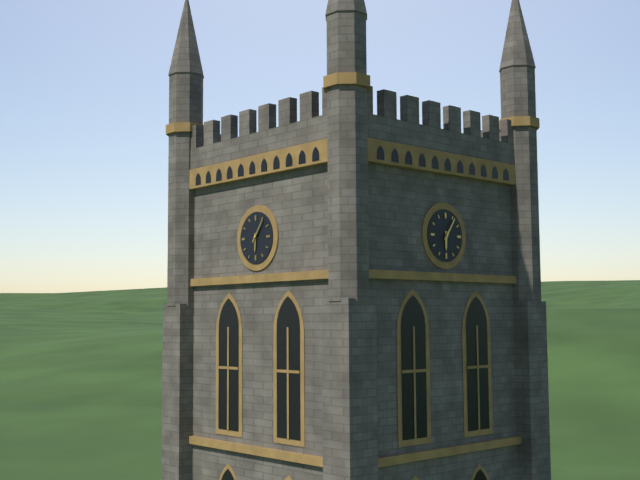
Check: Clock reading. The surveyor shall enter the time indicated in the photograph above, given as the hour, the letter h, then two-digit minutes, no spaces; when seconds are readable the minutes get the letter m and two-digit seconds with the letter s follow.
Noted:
6h06
